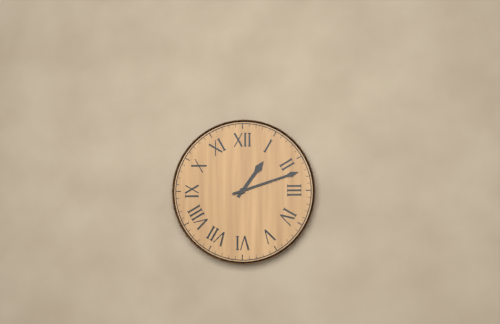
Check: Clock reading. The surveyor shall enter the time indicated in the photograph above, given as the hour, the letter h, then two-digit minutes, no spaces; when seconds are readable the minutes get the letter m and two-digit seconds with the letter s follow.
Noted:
1h12
